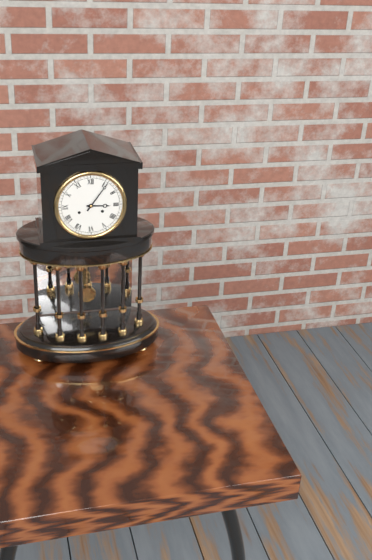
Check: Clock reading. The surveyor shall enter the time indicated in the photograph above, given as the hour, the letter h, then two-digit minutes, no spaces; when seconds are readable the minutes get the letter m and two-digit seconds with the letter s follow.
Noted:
3h06
